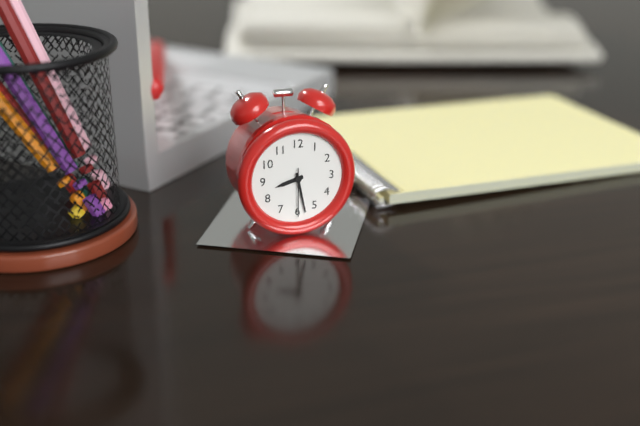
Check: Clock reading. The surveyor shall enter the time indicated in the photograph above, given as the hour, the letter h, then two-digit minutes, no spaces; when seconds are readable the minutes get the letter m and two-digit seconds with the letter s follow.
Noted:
8h28
